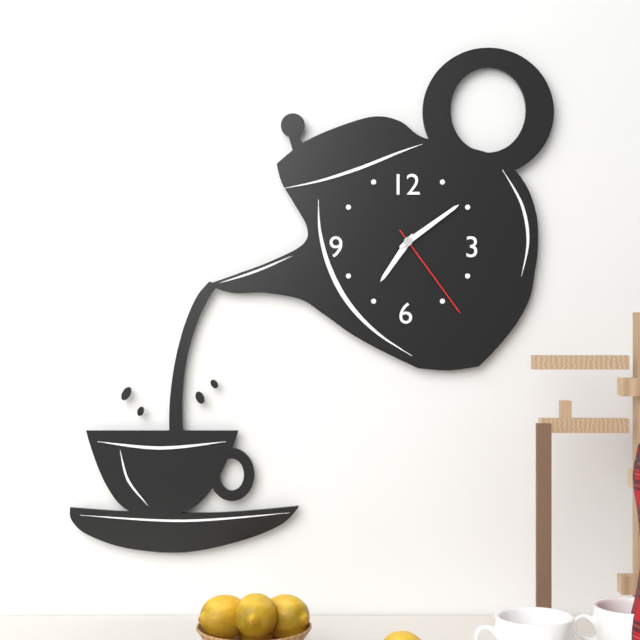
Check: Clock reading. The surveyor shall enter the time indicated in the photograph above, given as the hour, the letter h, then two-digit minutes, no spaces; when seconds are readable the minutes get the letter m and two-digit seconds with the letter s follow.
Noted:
7h09m24s
